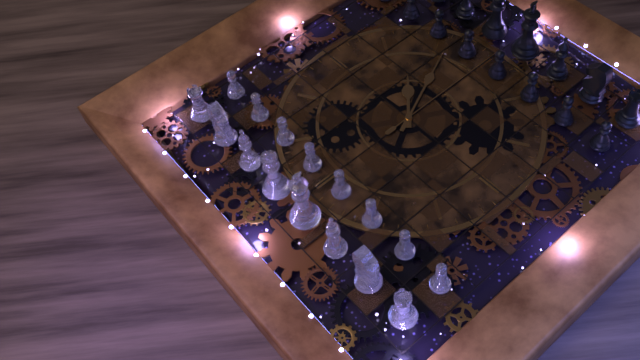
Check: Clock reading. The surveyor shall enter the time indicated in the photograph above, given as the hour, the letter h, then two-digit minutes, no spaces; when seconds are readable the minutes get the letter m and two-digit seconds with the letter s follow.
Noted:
4h26m30s
